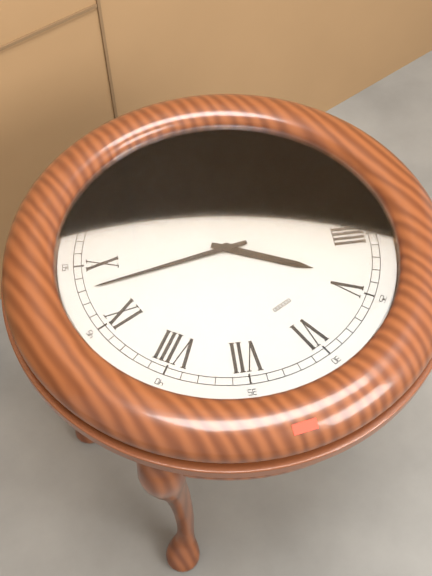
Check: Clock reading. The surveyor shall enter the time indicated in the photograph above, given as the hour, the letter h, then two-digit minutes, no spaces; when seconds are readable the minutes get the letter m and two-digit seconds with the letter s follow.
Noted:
4h48
